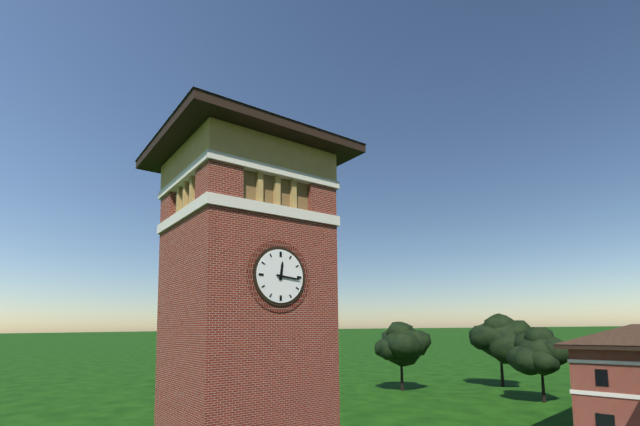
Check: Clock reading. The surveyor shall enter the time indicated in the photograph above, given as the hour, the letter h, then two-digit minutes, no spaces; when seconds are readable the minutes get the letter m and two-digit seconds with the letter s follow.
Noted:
12h16
